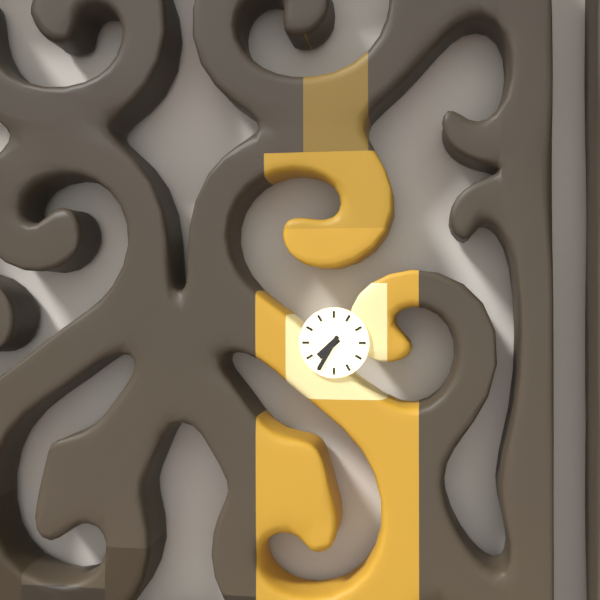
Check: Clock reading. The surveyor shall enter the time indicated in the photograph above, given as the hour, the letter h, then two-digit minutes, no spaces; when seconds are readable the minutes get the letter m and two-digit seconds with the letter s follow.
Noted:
7h35
